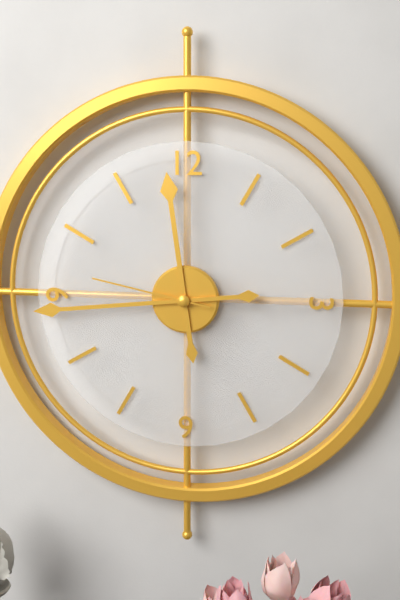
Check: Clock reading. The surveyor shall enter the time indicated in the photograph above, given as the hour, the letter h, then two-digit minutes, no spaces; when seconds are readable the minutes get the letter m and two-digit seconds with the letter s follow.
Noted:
11h44m47s
